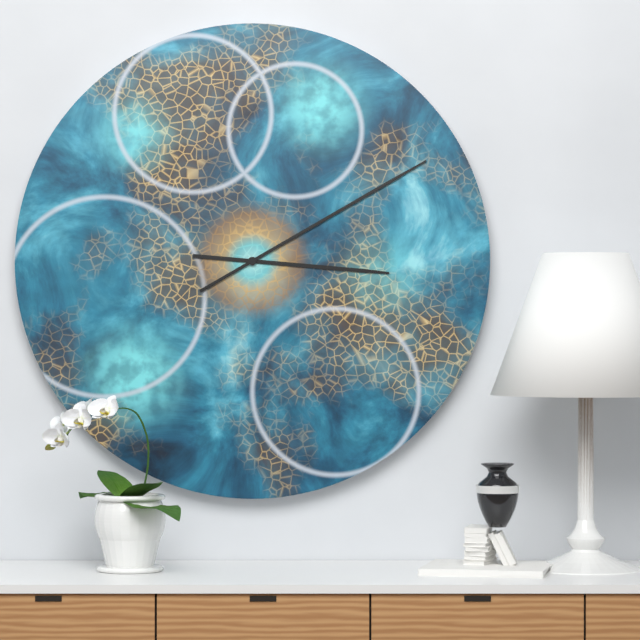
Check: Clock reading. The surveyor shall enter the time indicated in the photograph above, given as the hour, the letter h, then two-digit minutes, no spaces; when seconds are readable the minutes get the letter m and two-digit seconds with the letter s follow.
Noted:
3h10
